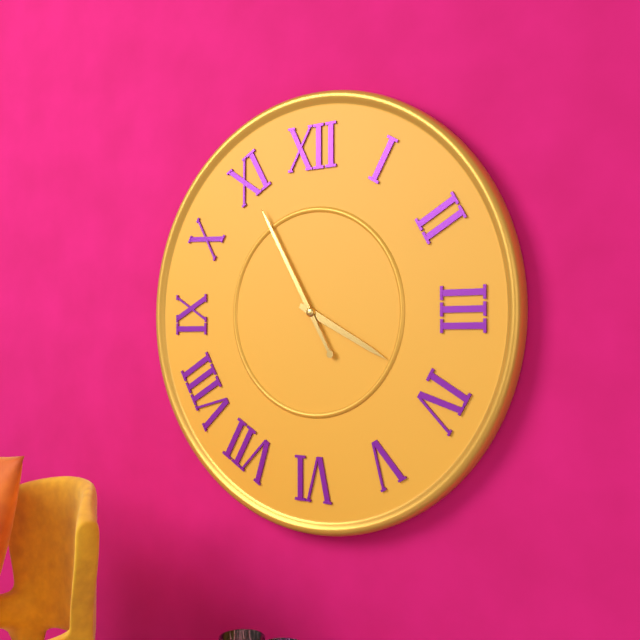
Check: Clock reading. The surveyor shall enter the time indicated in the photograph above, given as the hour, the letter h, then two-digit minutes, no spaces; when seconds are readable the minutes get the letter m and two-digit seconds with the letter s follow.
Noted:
3h55
